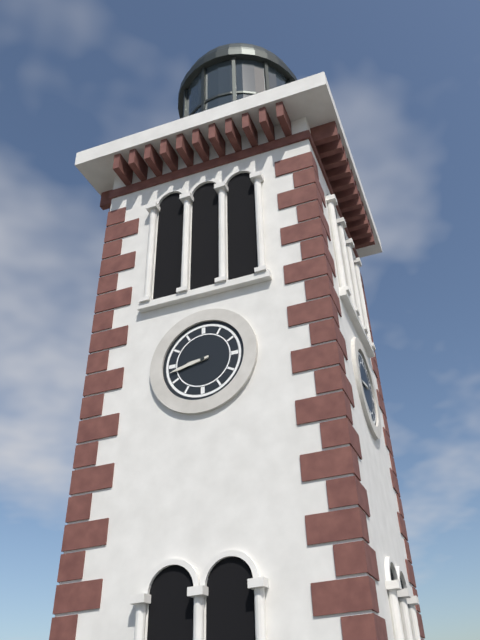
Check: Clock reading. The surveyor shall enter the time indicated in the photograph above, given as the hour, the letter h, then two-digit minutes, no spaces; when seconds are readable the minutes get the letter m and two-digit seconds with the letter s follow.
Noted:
8h43
